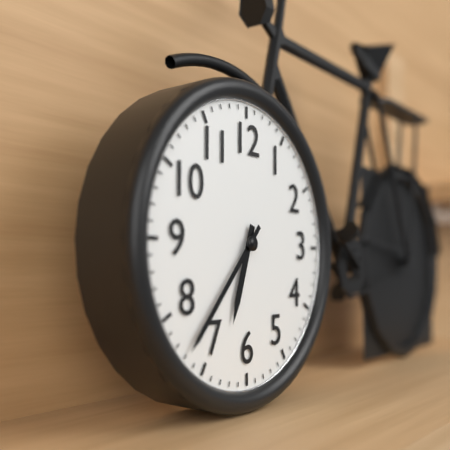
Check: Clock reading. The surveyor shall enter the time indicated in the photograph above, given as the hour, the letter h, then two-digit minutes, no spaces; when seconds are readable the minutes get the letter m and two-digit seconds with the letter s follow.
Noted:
6h37
